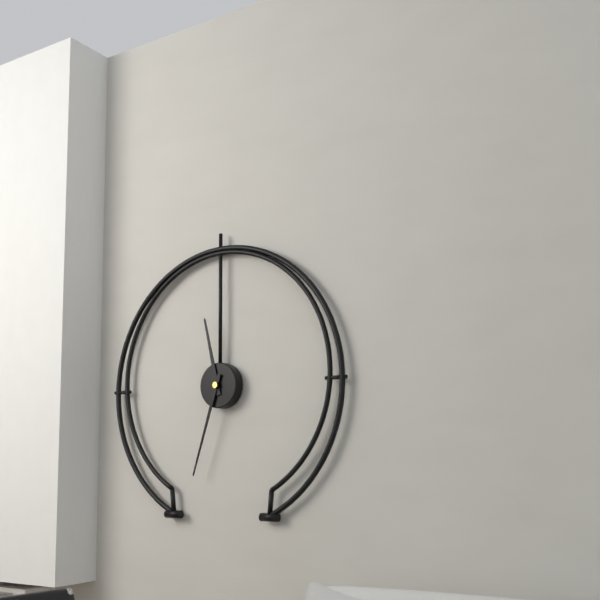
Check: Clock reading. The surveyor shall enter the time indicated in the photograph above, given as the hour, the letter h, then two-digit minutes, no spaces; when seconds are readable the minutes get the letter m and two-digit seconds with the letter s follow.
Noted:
11h33
